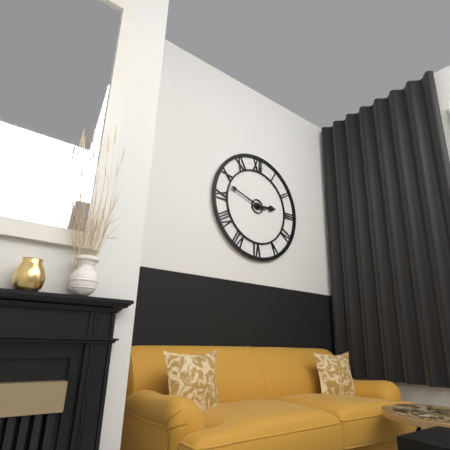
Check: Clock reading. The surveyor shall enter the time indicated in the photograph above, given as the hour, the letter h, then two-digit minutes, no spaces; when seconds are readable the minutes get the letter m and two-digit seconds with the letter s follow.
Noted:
2h48
